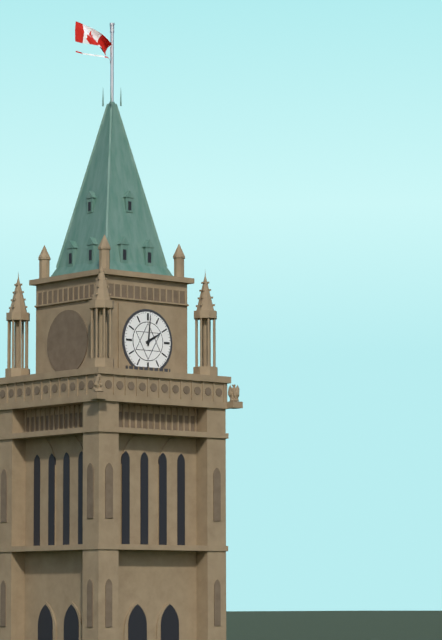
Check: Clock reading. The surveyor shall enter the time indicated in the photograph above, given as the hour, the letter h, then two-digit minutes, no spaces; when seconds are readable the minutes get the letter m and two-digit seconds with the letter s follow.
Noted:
2h01
